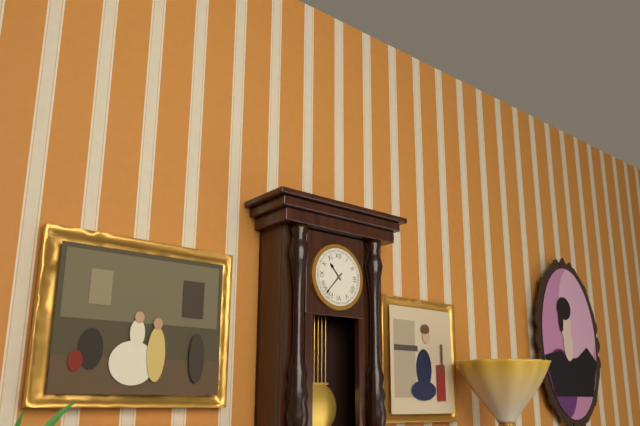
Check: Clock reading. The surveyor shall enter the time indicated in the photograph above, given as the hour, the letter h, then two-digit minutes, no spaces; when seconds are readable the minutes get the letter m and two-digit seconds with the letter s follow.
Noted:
10h37
